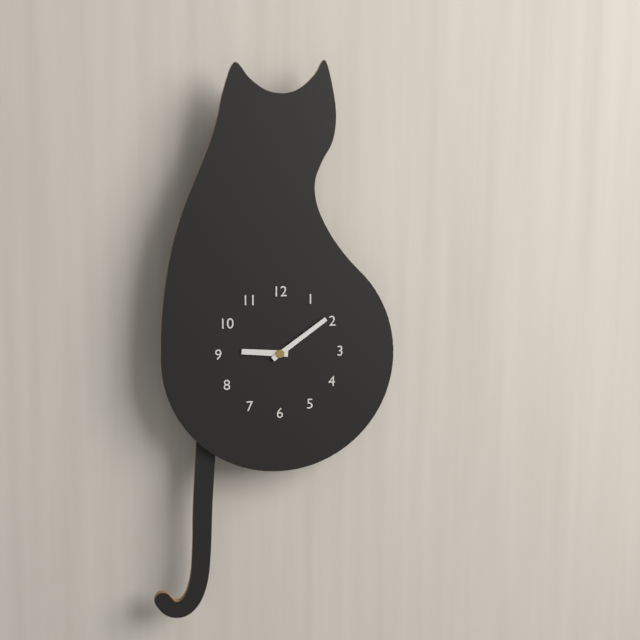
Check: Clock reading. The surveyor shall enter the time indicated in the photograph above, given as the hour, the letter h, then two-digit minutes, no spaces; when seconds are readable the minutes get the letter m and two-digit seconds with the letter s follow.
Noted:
9h09
